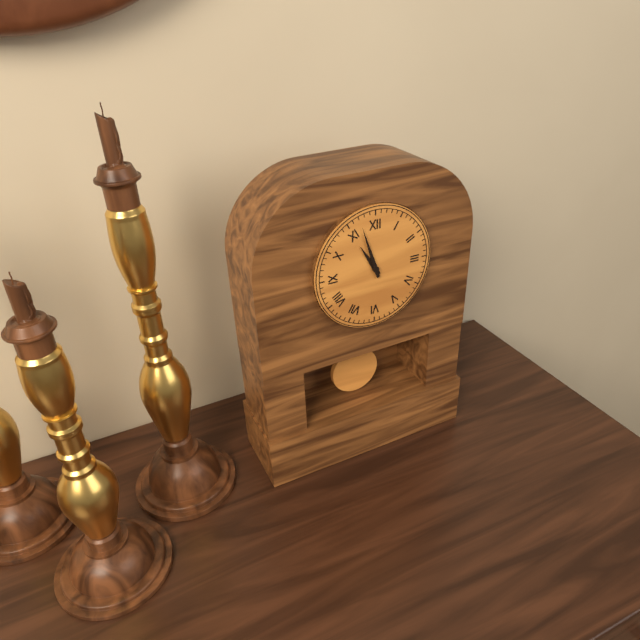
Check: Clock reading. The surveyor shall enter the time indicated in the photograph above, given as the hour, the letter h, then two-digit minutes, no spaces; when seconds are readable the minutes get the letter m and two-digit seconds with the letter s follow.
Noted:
10h57
